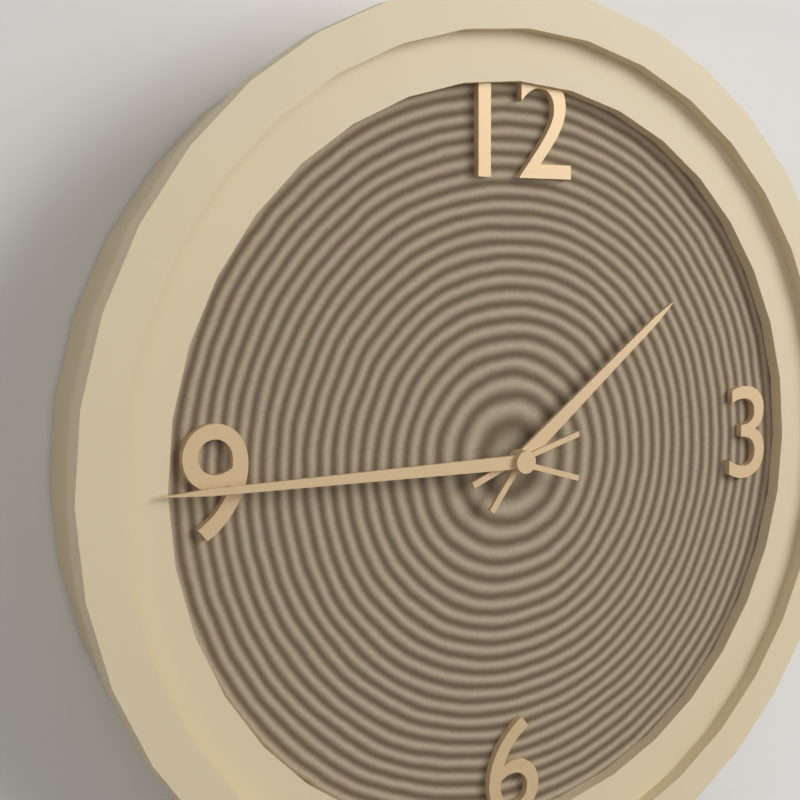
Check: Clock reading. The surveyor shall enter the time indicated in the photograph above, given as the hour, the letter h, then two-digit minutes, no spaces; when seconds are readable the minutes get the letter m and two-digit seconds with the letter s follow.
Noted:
1h45
